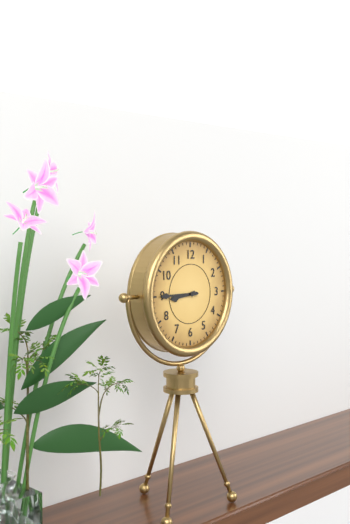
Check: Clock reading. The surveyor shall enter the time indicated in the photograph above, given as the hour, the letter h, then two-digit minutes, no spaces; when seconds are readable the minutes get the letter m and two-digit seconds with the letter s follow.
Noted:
8h45
